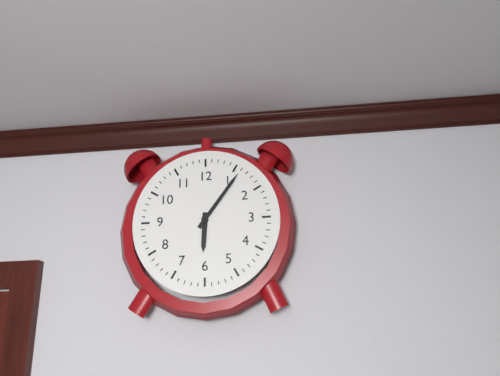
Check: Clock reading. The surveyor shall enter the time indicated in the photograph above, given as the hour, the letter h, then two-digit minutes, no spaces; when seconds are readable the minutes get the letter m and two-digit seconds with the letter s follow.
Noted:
6h06
